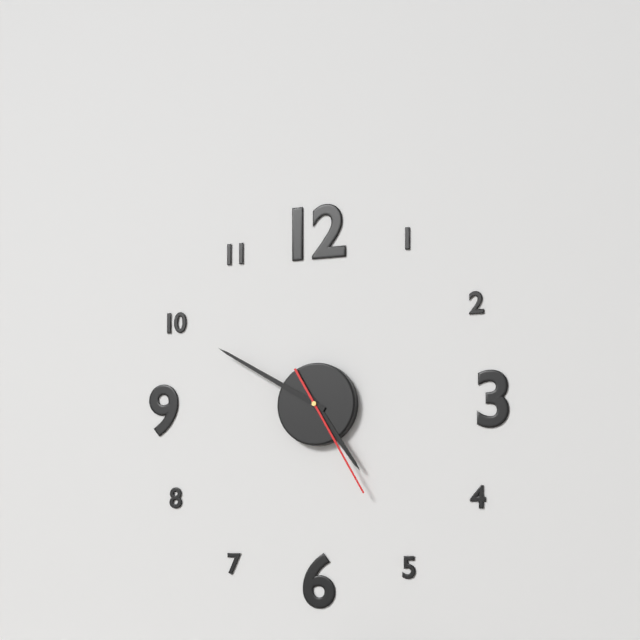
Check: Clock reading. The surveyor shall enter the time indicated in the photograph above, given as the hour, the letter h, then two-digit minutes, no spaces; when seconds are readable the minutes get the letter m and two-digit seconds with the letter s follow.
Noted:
4h50m25s
